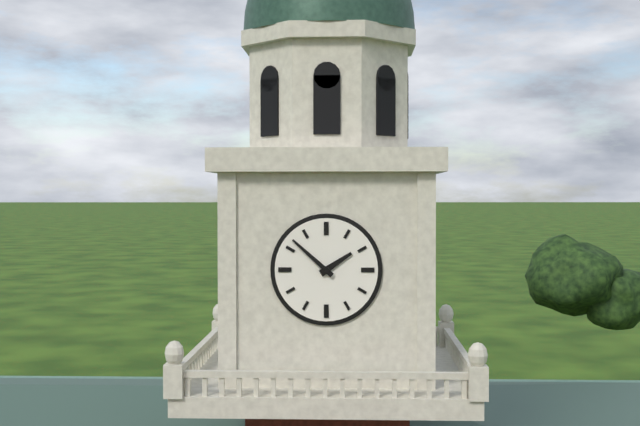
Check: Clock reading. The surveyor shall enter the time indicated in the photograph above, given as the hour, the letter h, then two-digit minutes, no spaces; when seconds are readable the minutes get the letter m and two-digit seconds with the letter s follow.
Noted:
1h52
